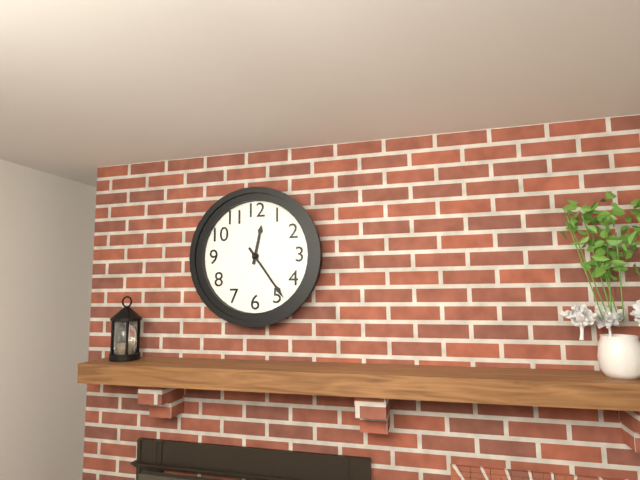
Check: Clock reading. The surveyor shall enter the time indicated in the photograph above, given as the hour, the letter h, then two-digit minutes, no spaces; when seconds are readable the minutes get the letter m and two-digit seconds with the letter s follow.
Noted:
12h24
